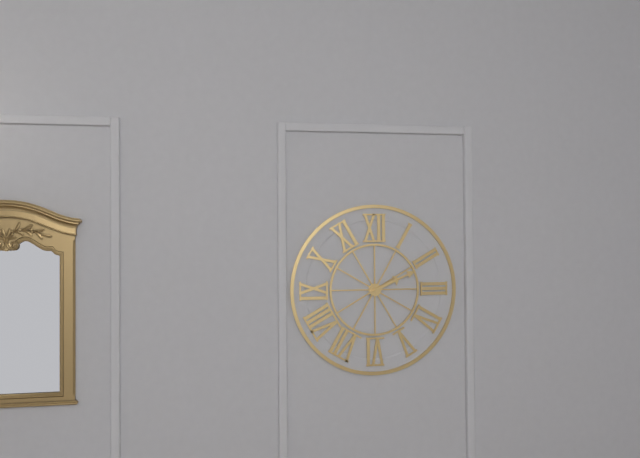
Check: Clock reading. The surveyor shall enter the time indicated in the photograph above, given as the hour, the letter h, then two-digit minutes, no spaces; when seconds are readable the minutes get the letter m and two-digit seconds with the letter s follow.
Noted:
2h11
